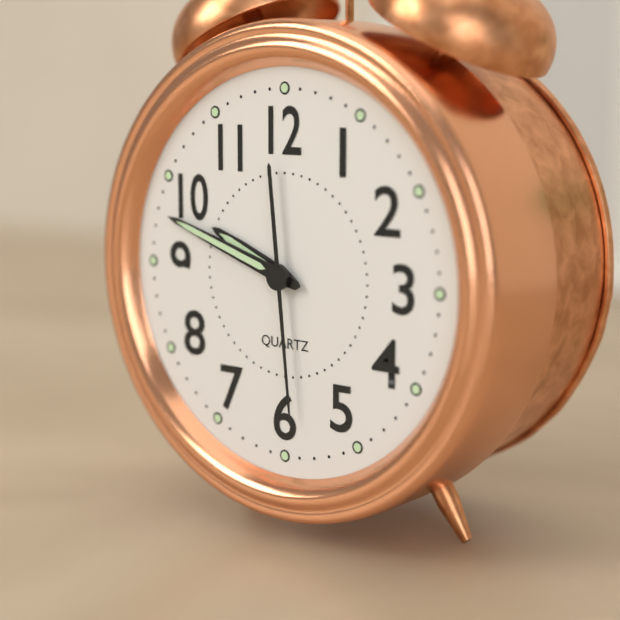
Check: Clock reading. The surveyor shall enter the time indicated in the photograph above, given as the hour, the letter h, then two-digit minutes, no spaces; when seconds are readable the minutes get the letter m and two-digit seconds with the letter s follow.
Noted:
9h48m29s
